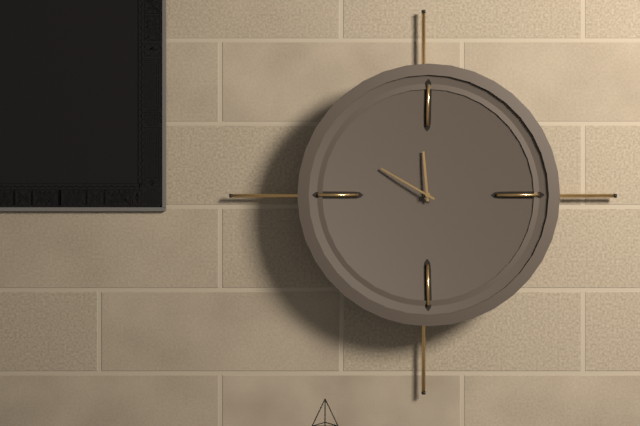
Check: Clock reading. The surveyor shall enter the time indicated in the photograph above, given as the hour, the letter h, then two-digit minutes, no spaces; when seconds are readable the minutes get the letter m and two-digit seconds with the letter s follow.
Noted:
11h50
